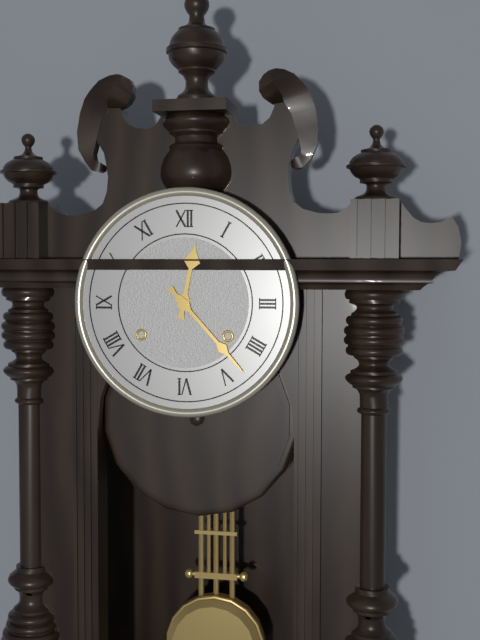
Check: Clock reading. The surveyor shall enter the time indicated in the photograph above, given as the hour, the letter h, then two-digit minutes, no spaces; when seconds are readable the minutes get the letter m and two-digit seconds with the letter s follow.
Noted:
12h23
